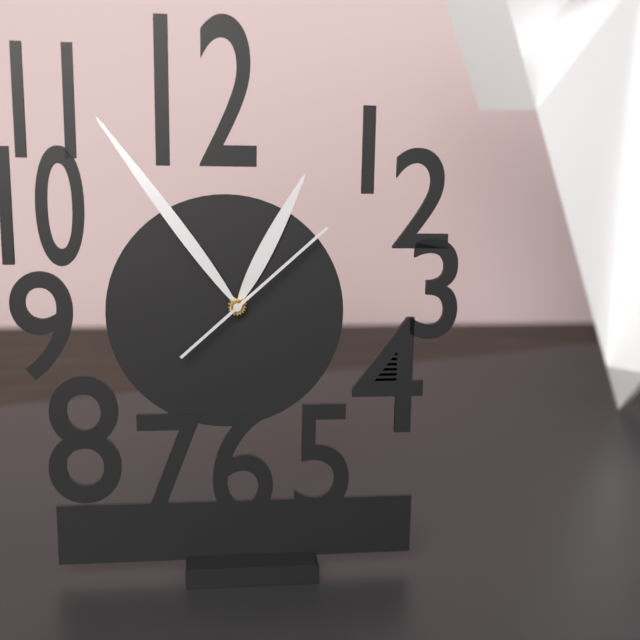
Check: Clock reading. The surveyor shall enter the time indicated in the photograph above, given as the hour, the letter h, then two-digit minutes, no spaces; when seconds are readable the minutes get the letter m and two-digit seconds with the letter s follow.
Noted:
12h54m08s
